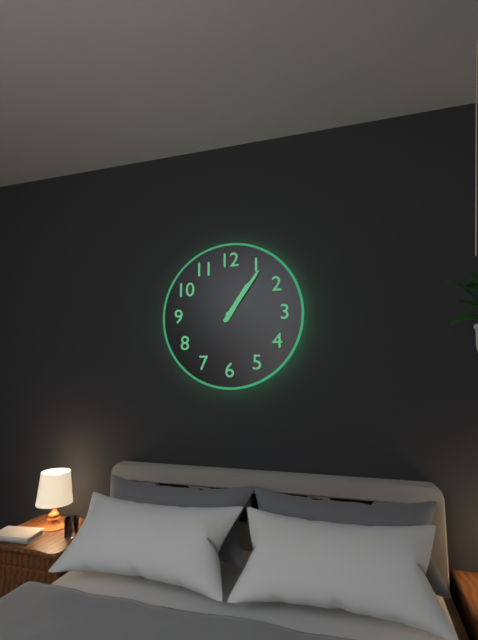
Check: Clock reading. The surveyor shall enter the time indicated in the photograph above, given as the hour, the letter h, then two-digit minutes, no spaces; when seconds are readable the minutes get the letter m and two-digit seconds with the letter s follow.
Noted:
1h06
